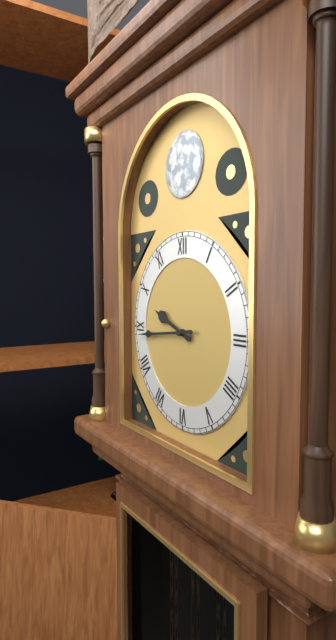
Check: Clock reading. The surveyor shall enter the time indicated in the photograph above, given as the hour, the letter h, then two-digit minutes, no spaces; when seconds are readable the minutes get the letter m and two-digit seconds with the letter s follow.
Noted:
9h44
